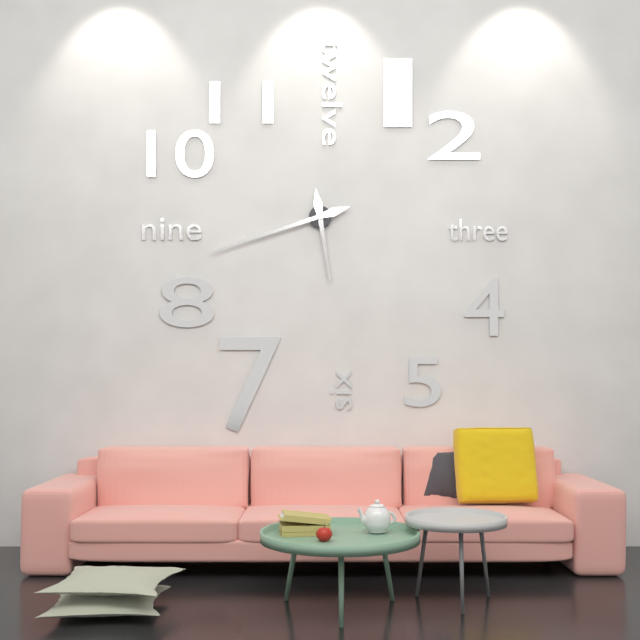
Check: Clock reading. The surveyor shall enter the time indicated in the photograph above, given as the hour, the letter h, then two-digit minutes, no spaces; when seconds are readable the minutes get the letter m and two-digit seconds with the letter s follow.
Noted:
5h42
